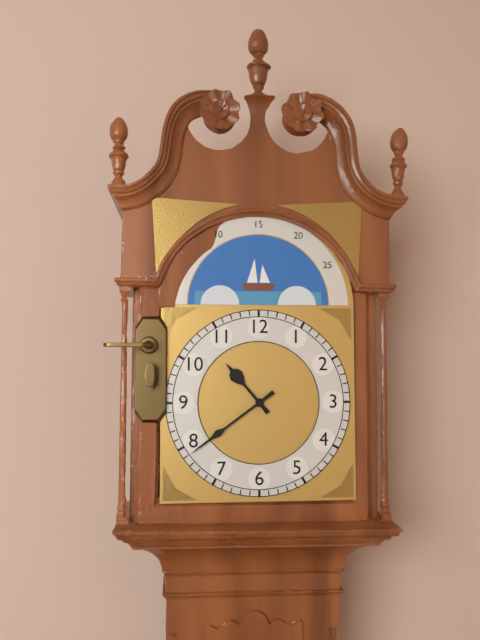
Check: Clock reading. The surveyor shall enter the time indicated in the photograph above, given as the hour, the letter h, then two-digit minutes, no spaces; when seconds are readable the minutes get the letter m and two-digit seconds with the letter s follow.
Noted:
10h39
